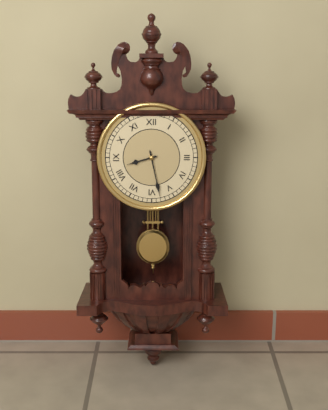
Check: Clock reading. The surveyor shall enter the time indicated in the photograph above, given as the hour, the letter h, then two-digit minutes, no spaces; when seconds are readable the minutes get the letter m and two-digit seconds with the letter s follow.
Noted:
8h28
